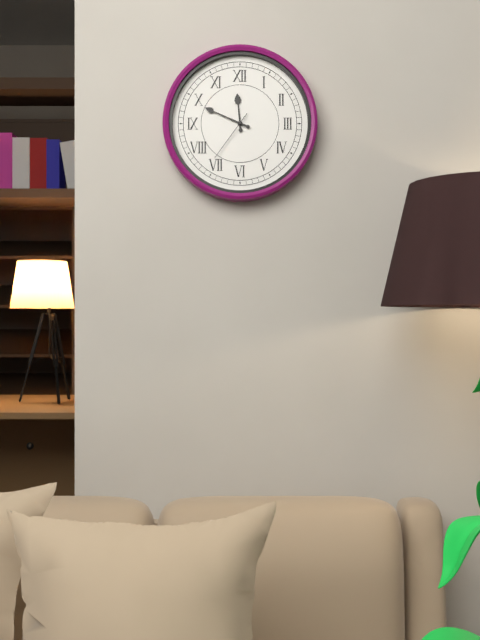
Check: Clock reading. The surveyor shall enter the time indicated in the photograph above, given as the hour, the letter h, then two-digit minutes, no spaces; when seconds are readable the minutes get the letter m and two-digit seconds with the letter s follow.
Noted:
11h49m36s
